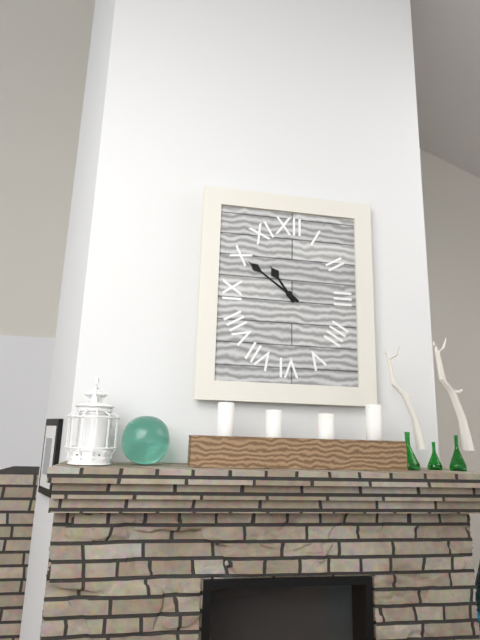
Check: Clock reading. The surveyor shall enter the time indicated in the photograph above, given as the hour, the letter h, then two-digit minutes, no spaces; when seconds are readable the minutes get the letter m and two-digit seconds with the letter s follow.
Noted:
10h51
